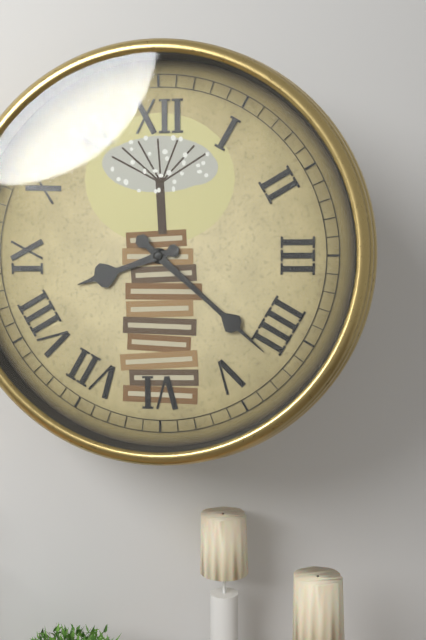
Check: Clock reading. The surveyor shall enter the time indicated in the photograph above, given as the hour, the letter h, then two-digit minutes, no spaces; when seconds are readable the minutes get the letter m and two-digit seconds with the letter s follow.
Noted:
8h22
